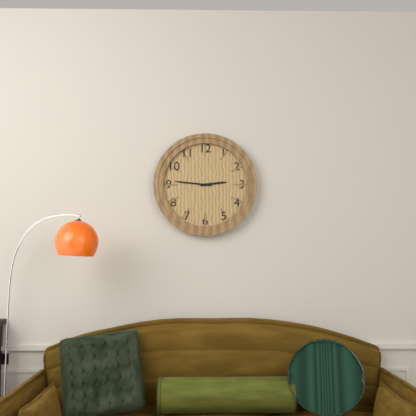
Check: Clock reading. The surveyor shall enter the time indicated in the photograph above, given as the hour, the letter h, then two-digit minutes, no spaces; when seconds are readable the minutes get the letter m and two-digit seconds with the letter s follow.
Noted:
2h46
